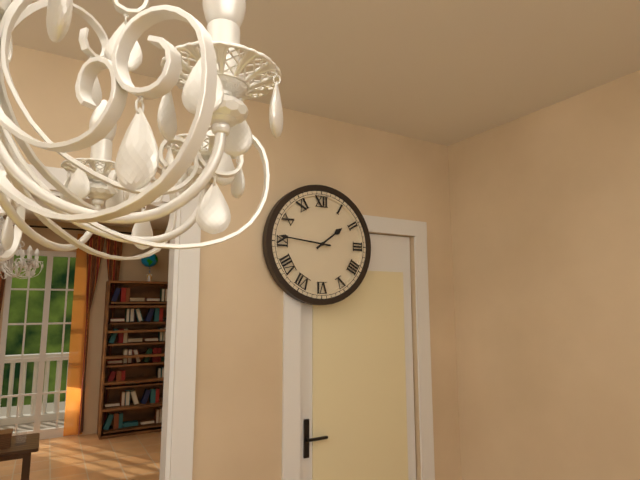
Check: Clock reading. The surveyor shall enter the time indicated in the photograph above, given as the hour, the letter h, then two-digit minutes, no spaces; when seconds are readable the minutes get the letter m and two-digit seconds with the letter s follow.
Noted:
1h46
